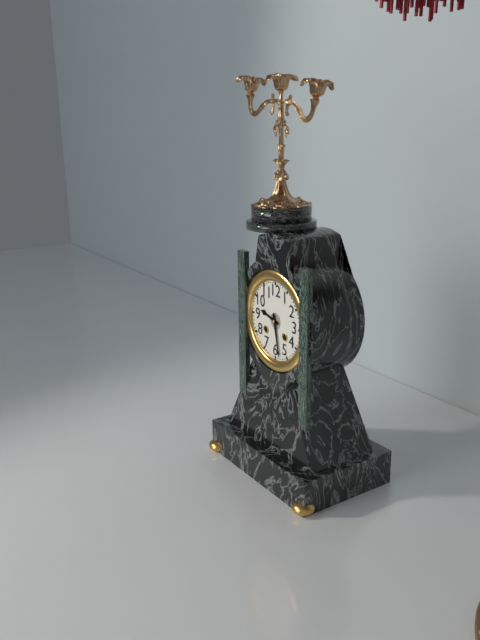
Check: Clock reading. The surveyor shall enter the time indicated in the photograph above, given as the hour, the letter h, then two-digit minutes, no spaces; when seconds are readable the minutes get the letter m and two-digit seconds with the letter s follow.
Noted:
9h28
